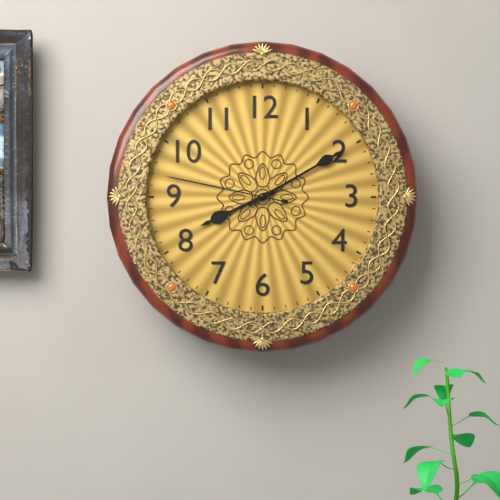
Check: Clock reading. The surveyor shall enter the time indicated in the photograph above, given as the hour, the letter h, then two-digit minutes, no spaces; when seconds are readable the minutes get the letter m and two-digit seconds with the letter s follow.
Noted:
8h10m47s
